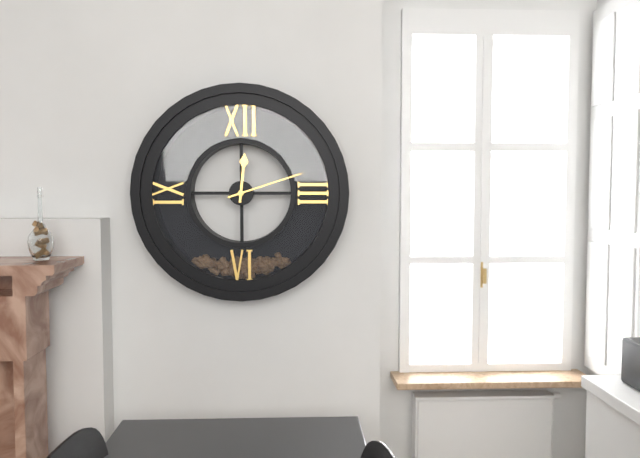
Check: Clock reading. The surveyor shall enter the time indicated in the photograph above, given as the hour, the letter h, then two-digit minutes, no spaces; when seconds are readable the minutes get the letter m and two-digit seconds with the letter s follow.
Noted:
12h12
